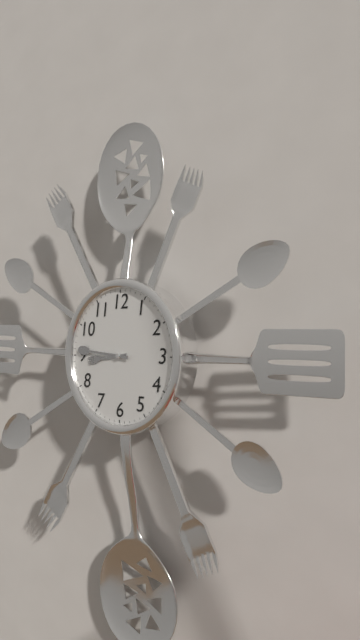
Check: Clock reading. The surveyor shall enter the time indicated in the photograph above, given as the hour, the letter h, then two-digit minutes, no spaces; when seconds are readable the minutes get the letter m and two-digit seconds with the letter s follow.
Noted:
8h46
